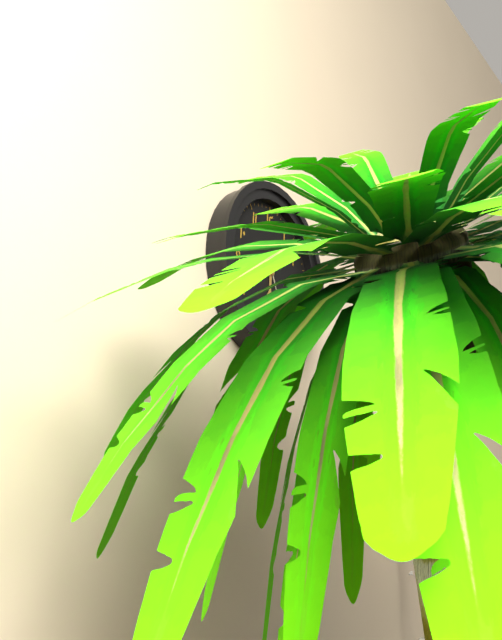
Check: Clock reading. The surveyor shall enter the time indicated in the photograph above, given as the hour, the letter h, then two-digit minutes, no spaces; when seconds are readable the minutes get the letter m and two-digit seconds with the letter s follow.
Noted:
6h08
